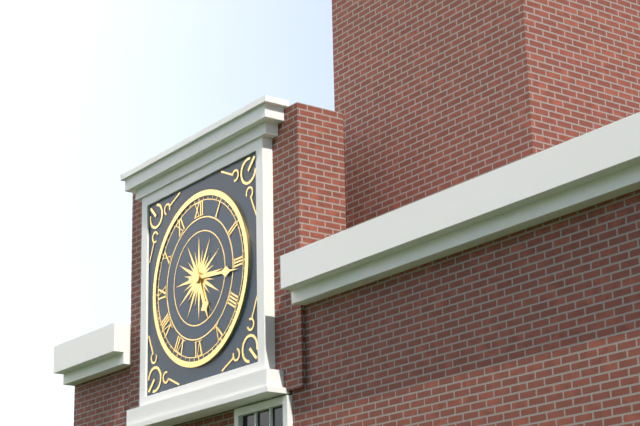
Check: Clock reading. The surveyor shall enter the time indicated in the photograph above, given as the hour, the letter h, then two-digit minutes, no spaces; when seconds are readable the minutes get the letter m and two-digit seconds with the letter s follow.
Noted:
5h16
